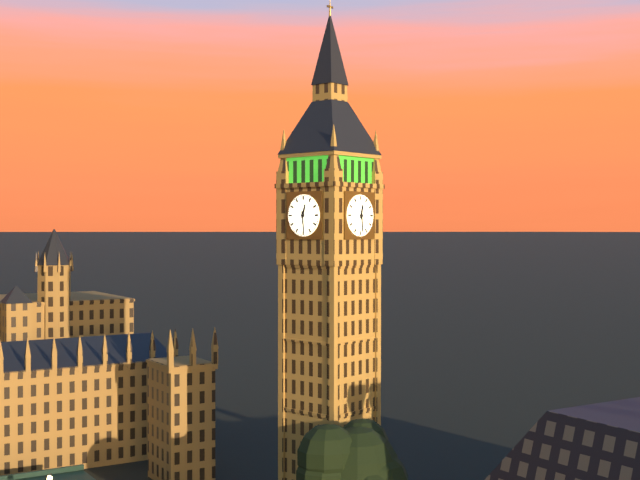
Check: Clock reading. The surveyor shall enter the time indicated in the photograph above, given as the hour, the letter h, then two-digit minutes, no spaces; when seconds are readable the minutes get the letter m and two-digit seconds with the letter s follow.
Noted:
12h29
